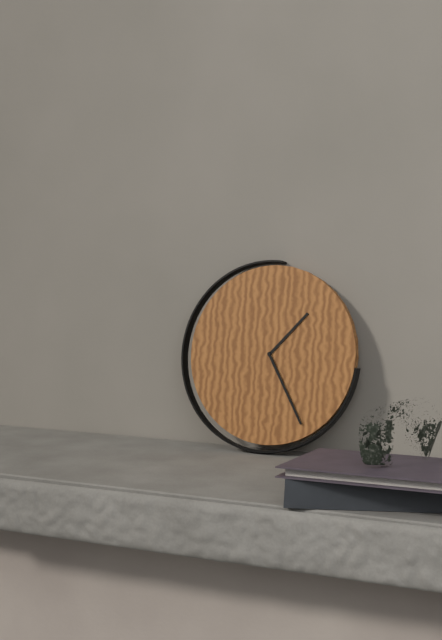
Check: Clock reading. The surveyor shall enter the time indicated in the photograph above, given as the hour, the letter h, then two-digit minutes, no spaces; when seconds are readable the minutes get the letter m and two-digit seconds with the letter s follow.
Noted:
1h25
